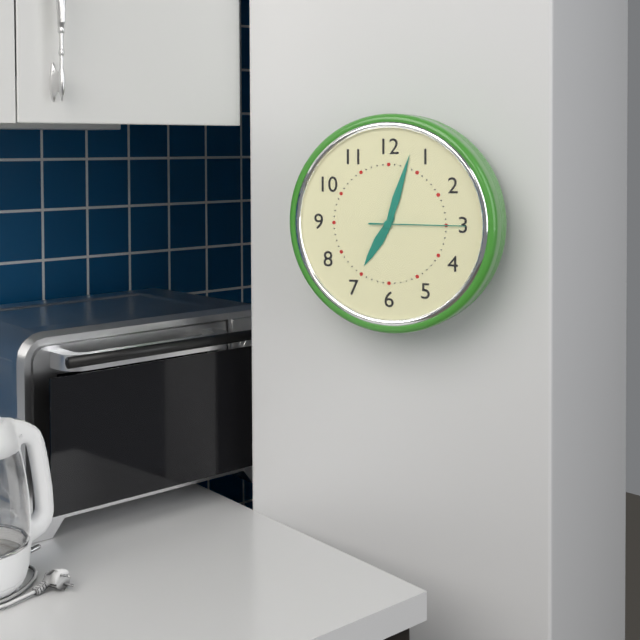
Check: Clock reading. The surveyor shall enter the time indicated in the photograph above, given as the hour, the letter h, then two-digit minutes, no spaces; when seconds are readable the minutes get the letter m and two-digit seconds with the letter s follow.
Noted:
7h03m15s
